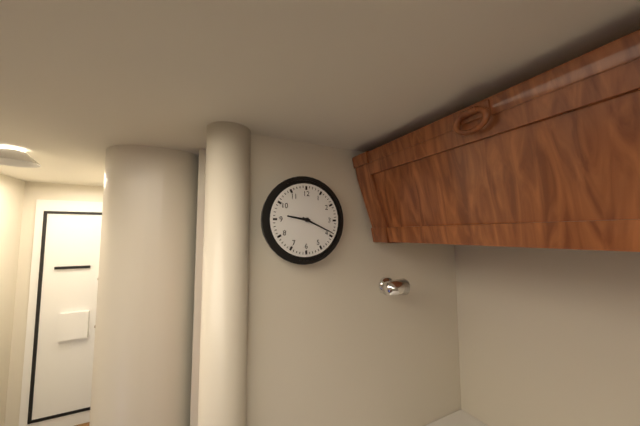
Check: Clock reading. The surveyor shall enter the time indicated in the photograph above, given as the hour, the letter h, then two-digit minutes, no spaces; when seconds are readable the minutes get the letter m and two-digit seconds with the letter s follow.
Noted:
9h19
